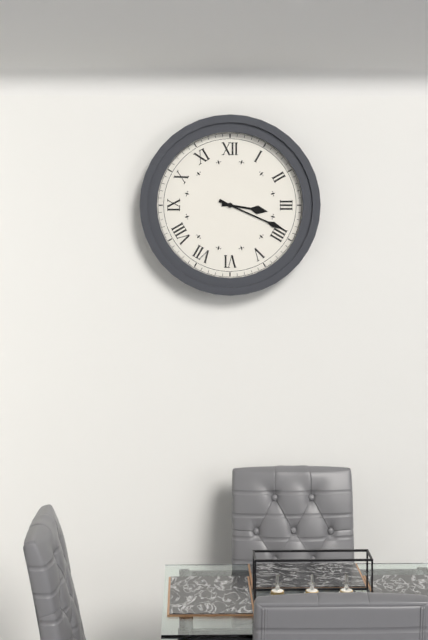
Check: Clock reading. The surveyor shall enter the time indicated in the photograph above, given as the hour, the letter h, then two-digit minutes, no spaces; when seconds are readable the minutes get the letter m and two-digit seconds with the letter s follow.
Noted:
3h19
